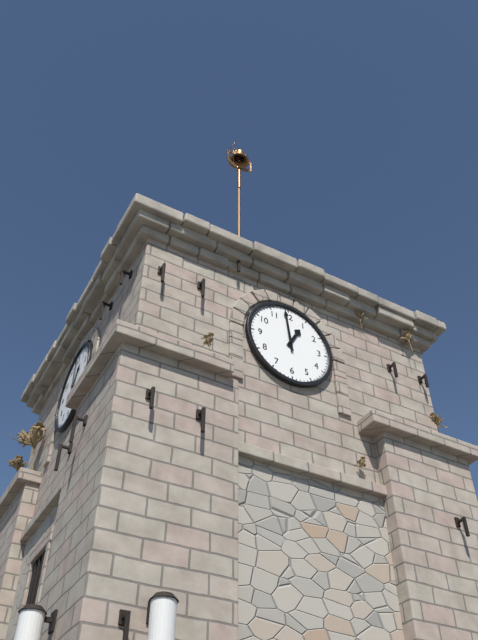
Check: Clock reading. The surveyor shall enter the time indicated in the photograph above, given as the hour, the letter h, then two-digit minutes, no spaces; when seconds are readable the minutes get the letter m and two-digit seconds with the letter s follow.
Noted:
12h59
